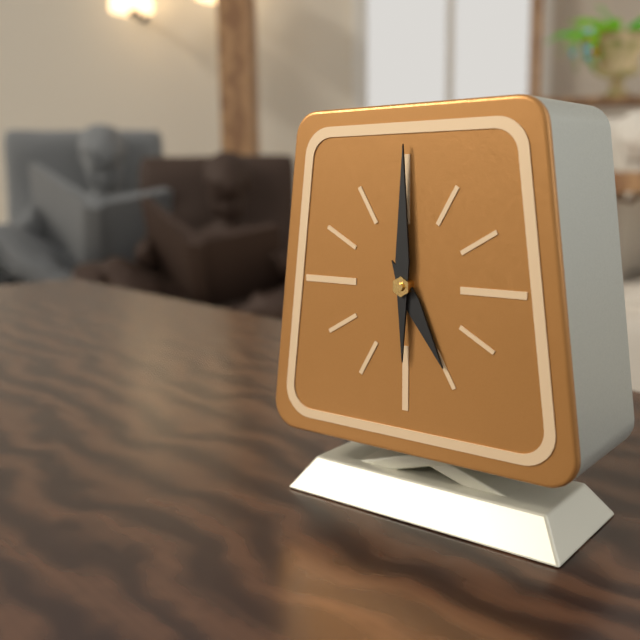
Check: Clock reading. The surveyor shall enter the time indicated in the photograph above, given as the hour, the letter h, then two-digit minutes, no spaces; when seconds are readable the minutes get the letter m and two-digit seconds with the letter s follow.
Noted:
5h00
